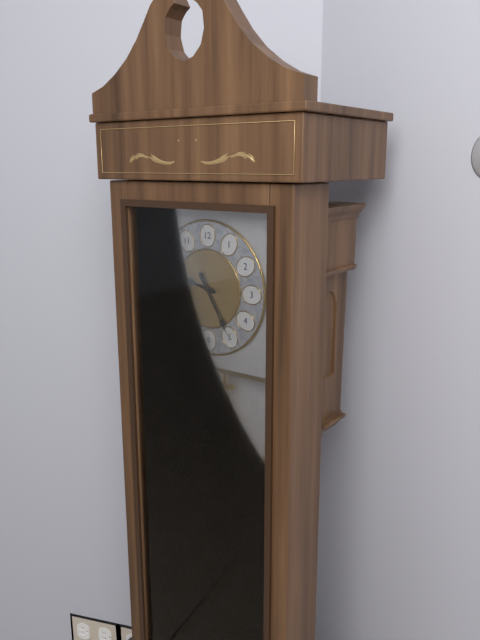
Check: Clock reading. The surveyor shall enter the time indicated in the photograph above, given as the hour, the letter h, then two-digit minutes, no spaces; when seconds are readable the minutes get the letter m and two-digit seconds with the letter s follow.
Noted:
9h25
